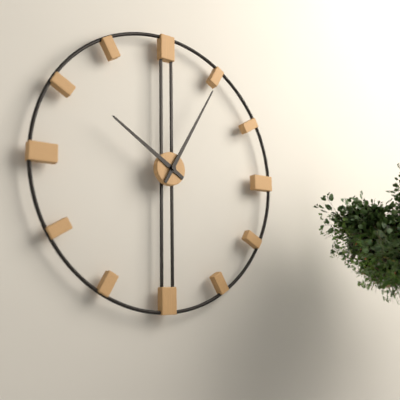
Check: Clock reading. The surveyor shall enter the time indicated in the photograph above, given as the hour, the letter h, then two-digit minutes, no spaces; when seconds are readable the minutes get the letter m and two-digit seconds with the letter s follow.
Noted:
10h05
